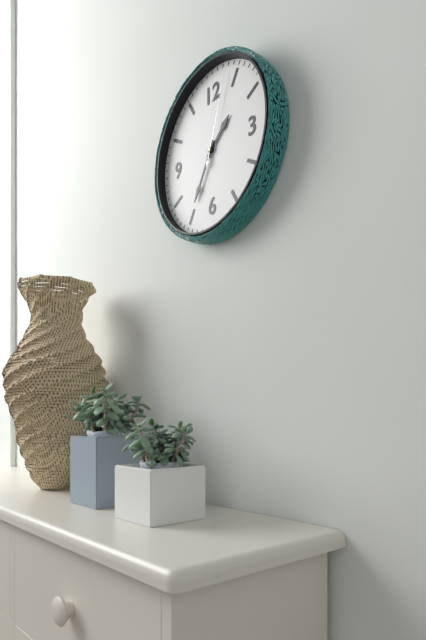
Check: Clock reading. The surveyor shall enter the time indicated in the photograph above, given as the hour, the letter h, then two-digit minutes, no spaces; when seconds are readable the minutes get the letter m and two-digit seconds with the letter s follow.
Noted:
1h35m03s
